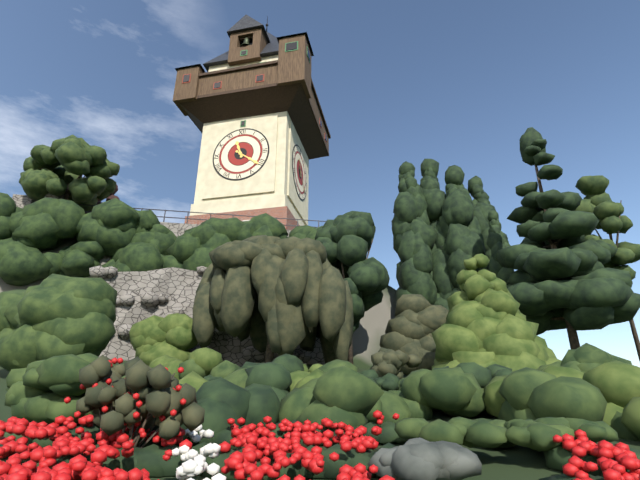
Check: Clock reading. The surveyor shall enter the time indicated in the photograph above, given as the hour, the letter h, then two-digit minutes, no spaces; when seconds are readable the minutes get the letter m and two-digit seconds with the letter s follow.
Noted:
11h21
